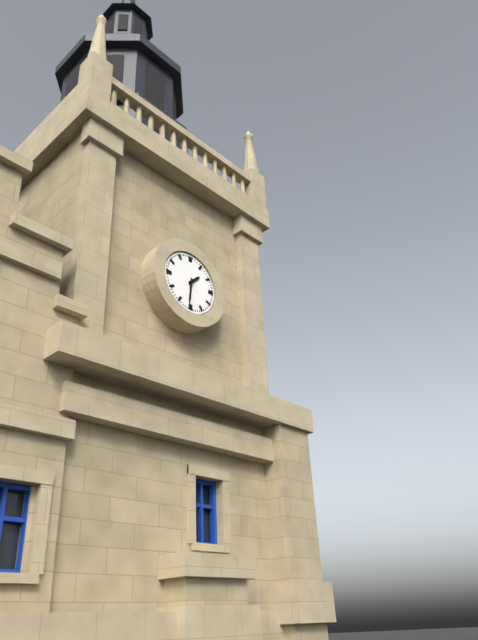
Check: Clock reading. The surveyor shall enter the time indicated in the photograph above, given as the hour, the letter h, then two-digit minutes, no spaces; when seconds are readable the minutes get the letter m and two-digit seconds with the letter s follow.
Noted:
1h31
